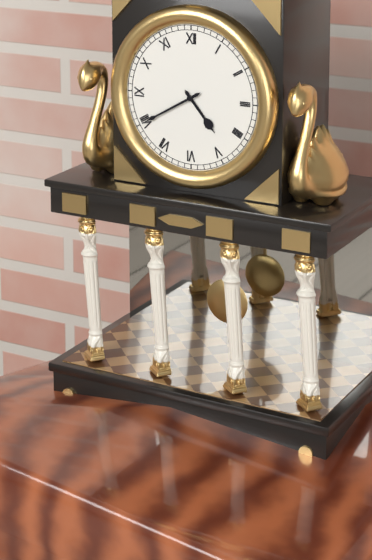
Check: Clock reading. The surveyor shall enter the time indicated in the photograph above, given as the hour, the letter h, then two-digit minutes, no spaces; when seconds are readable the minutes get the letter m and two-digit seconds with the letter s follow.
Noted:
4h40
